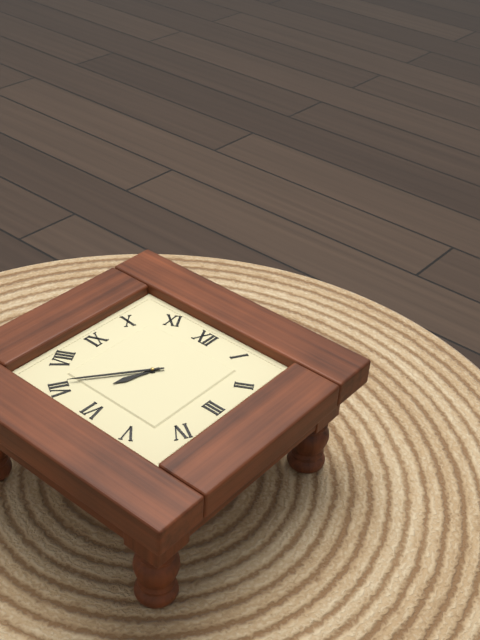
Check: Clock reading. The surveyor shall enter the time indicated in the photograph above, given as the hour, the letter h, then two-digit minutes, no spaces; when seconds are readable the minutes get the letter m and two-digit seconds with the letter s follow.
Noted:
6h36
